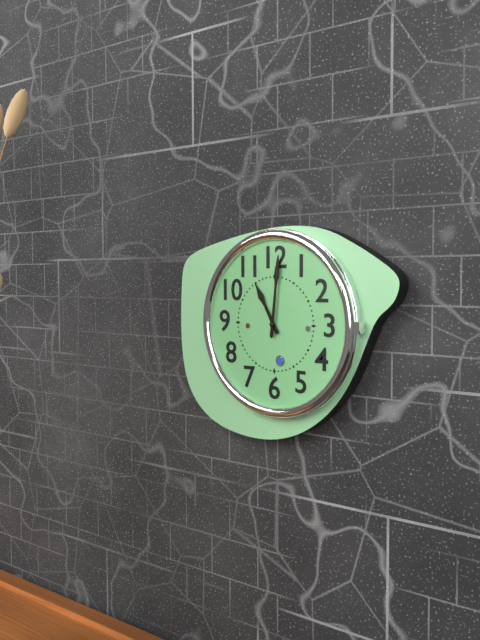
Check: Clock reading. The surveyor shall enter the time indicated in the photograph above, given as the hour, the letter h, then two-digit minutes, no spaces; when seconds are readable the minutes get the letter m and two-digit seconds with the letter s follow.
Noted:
11h01
